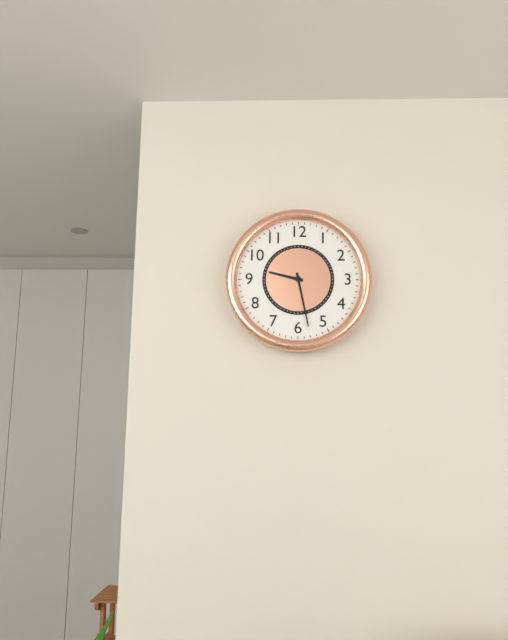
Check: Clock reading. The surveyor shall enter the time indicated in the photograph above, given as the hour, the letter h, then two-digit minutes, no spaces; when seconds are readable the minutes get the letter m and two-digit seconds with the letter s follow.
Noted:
9h28
